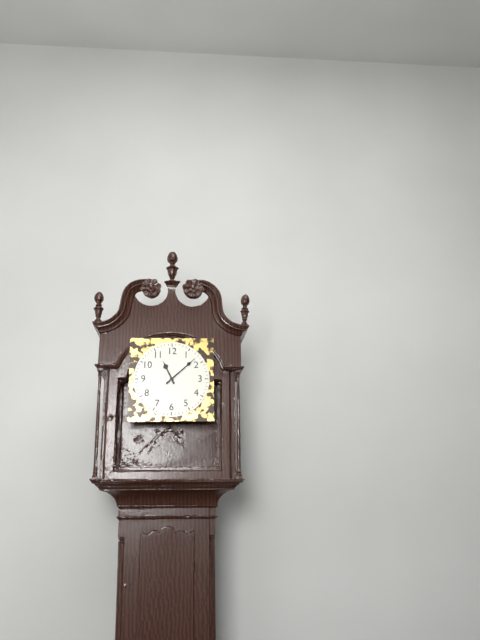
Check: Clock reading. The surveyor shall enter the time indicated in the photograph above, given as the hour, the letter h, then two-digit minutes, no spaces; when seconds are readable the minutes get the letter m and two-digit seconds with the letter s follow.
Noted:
11h08
